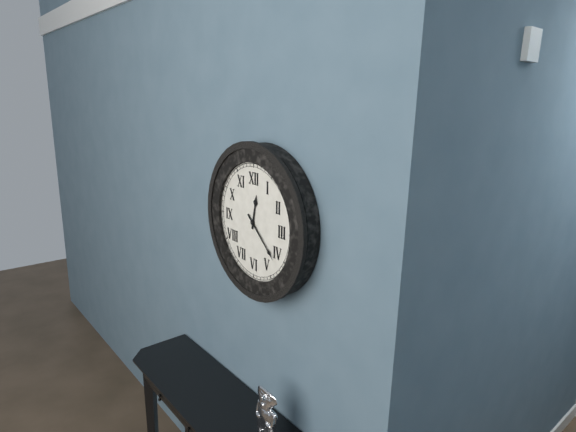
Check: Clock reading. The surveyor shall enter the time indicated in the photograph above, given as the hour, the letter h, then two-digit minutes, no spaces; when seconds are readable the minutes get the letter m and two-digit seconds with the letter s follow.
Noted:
12h22
